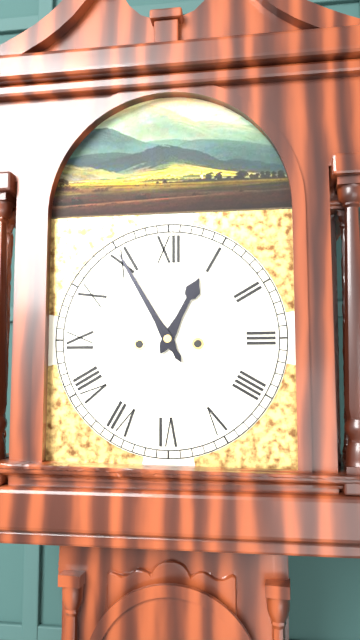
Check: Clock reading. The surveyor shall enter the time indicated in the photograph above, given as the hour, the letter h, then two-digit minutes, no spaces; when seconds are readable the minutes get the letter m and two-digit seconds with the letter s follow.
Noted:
12h55
